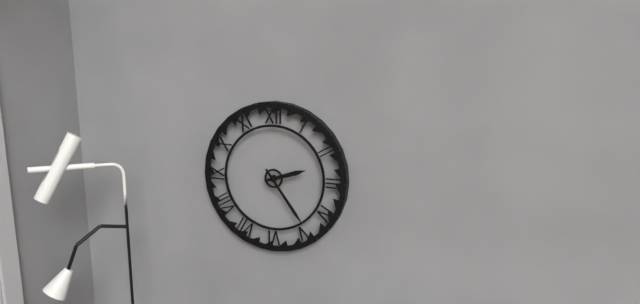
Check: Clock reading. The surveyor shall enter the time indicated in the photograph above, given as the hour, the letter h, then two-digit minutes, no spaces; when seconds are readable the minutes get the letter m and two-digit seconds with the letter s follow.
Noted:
2h24
